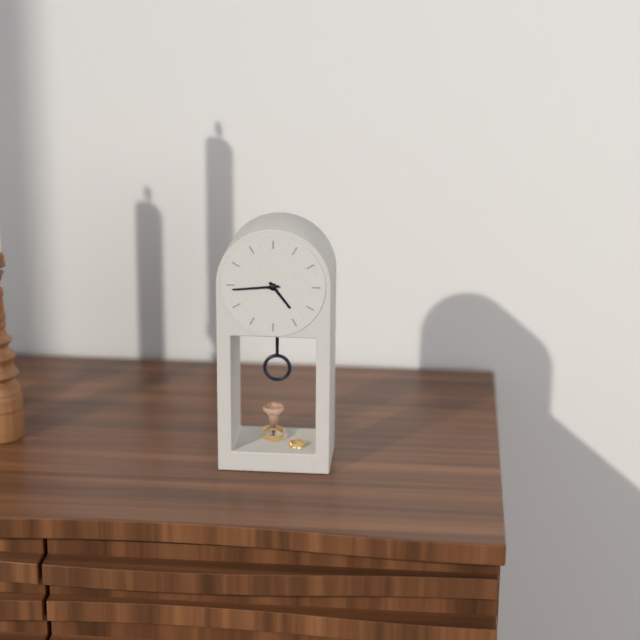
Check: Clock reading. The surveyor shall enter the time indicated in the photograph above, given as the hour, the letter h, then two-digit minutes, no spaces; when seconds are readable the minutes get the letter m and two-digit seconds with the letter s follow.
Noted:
4h44
